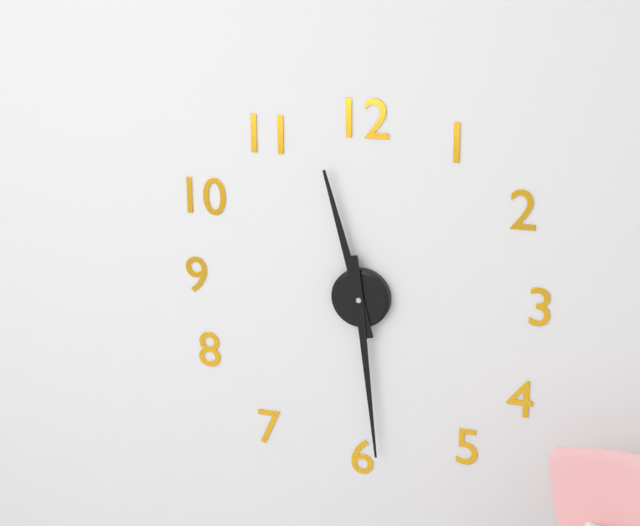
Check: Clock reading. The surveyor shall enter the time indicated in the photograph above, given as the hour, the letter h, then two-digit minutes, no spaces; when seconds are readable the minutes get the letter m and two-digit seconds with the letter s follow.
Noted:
11h29
